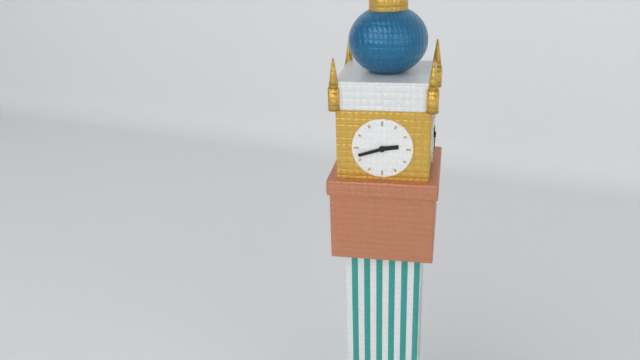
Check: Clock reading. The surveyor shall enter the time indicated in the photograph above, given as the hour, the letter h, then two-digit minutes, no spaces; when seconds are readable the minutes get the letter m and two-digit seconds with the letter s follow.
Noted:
2h42
